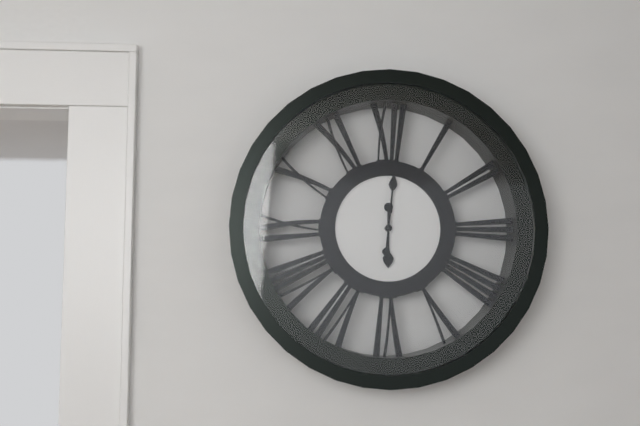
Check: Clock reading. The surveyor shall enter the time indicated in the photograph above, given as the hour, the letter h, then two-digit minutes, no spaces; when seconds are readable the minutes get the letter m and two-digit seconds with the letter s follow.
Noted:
6h01
